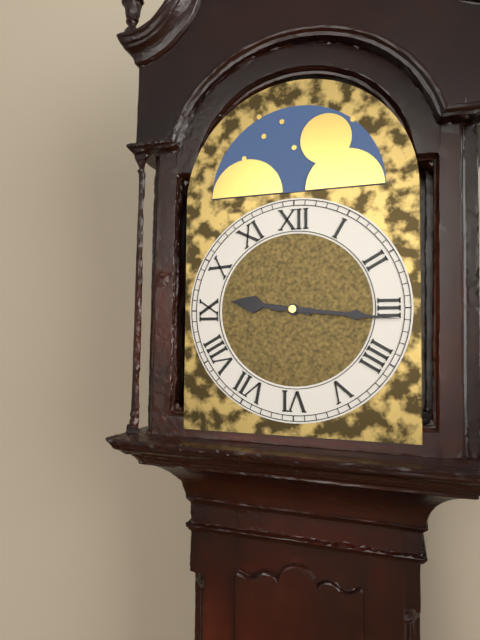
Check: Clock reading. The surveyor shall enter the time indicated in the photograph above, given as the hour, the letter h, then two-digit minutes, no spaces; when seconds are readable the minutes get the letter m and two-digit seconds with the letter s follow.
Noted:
9h16
